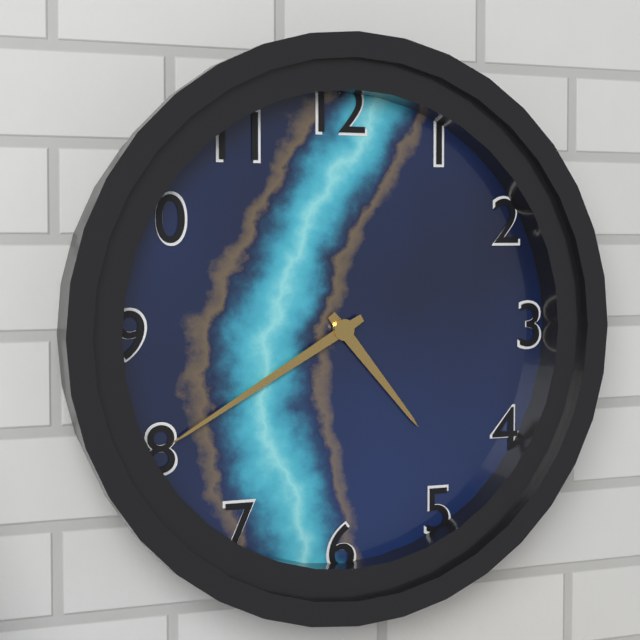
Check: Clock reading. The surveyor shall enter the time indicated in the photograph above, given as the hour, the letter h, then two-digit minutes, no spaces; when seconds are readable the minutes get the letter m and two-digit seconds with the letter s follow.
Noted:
4h40
